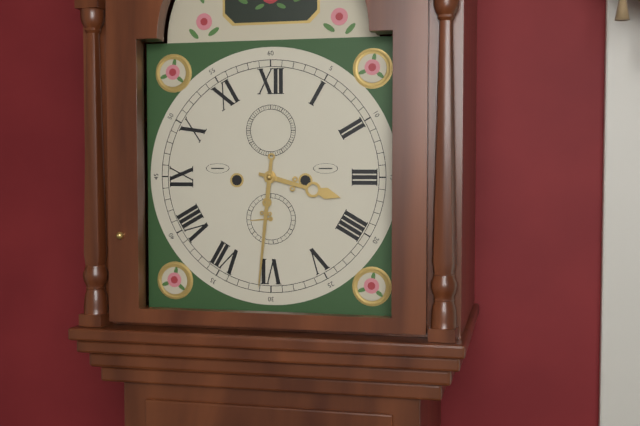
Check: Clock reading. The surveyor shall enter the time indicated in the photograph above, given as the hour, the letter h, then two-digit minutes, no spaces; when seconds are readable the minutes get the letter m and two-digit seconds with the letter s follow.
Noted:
3h31
